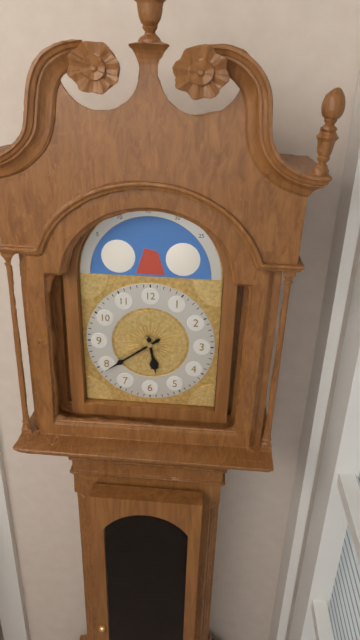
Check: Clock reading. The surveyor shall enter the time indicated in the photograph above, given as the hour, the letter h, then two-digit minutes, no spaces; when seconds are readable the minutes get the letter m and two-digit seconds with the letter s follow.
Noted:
5h39
